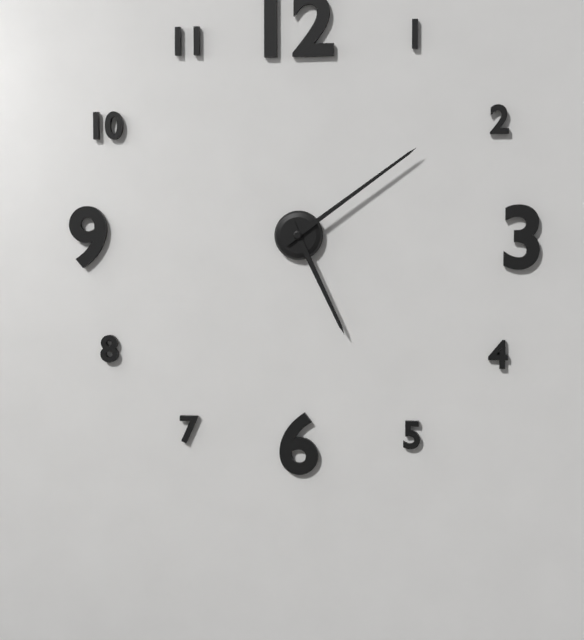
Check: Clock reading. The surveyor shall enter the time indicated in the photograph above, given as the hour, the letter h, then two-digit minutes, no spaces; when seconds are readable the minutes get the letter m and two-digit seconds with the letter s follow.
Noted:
5h09
